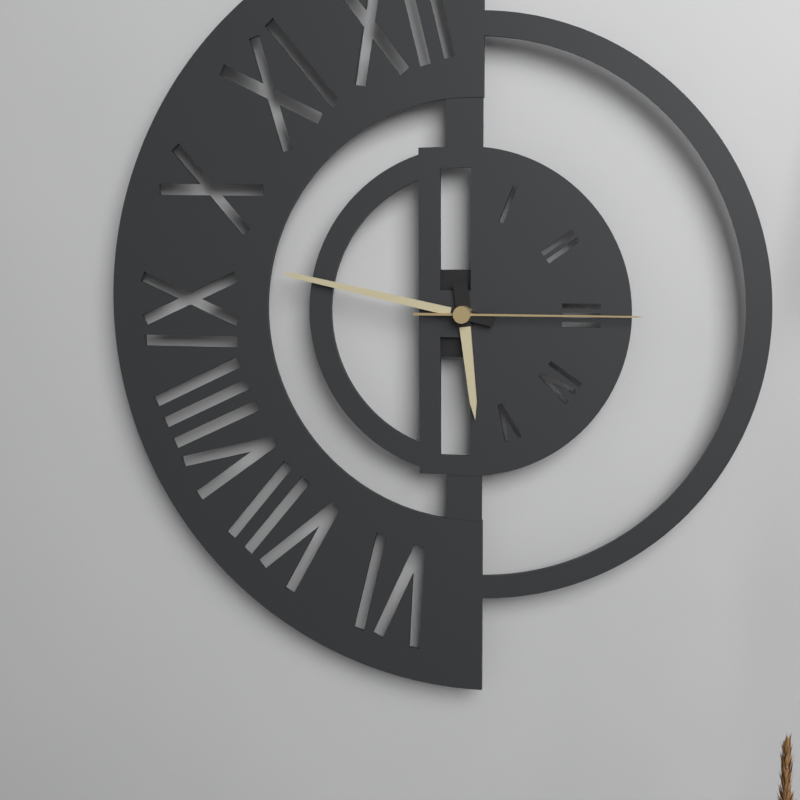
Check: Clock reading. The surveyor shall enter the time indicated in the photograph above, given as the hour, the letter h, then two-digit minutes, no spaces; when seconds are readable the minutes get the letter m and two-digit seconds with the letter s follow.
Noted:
5h47m15s
